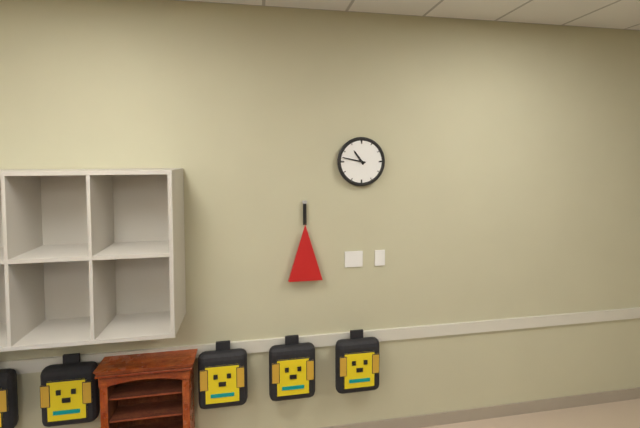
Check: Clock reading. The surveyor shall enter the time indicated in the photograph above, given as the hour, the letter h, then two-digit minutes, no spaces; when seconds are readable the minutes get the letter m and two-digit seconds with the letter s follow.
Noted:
10h47
